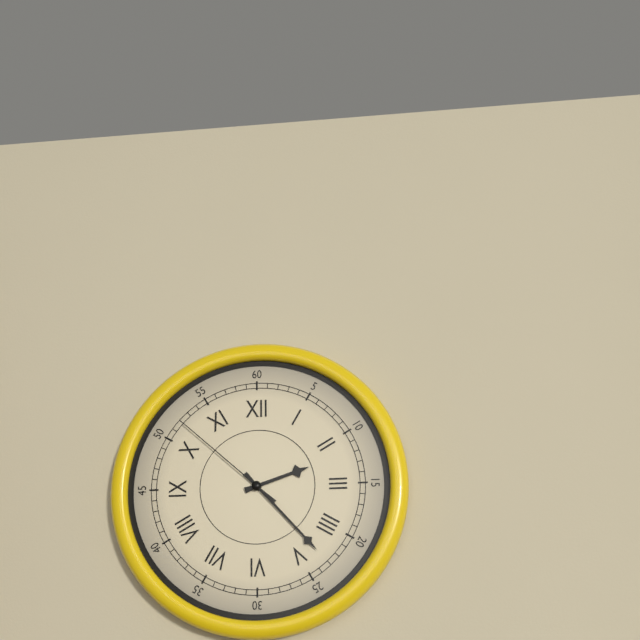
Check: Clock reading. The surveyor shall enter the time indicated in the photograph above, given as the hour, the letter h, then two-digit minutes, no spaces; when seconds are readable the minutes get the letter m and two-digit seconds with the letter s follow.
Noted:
2h23m52s
